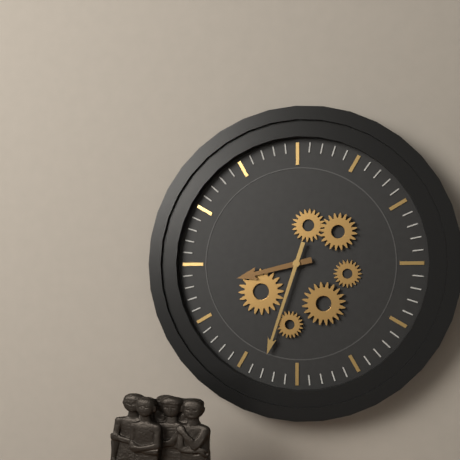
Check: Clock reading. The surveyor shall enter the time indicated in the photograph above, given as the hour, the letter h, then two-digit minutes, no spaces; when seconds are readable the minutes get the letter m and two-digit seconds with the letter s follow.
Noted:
8h33
